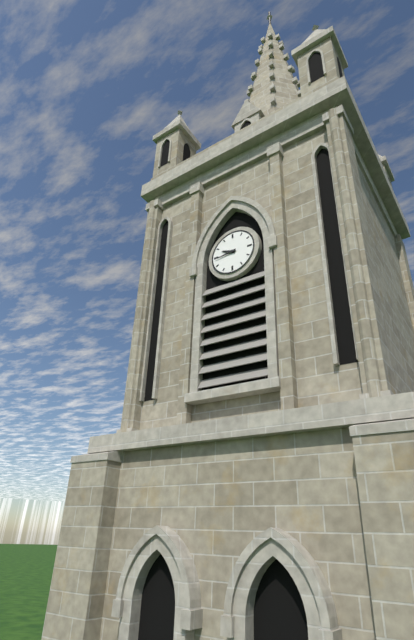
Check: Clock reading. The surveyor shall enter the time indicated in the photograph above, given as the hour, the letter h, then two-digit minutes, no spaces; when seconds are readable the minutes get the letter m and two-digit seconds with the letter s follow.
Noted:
9h44
